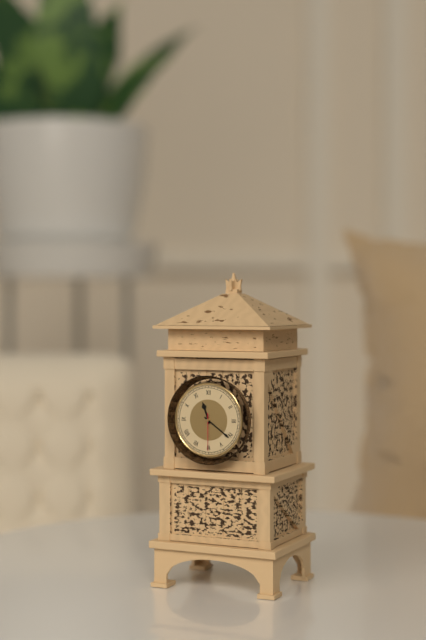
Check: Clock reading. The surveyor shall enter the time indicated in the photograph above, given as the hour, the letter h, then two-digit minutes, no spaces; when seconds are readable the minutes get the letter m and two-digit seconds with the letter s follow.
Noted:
11h21
